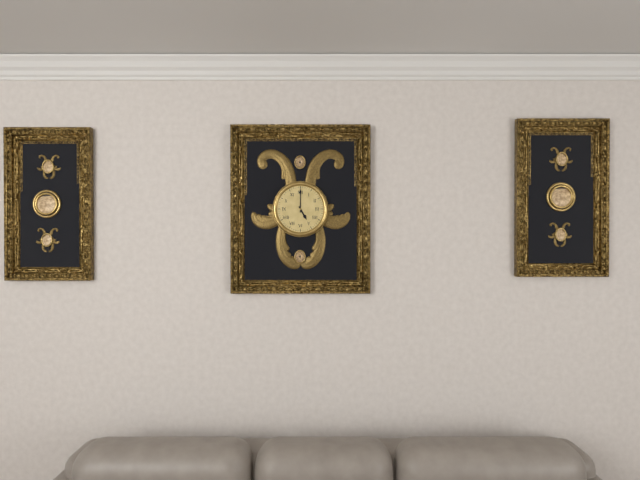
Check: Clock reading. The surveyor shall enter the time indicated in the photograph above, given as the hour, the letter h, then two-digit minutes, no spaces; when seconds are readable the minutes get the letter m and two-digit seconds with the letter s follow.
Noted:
5h00
